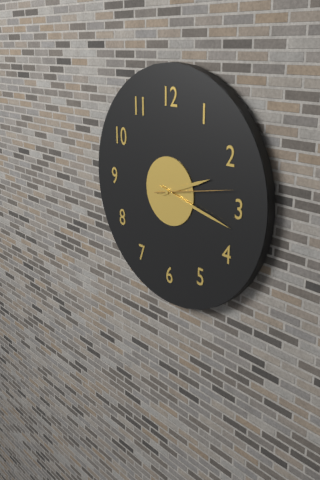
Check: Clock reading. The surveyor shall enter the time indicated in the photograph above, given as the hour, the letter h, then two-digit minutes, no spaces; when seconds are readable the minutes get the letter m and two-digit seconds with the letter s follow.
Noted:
2h17m13s
